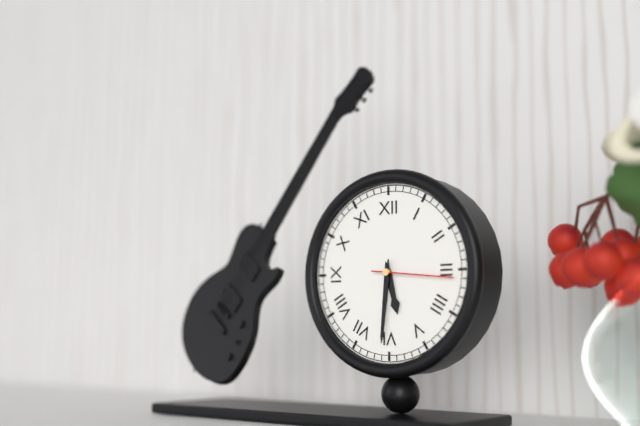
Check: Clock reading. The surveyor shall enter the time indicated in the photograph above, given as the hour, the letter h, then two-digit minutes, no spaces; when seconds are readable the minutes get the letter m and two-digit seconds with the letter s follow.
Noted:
5h31m16s
